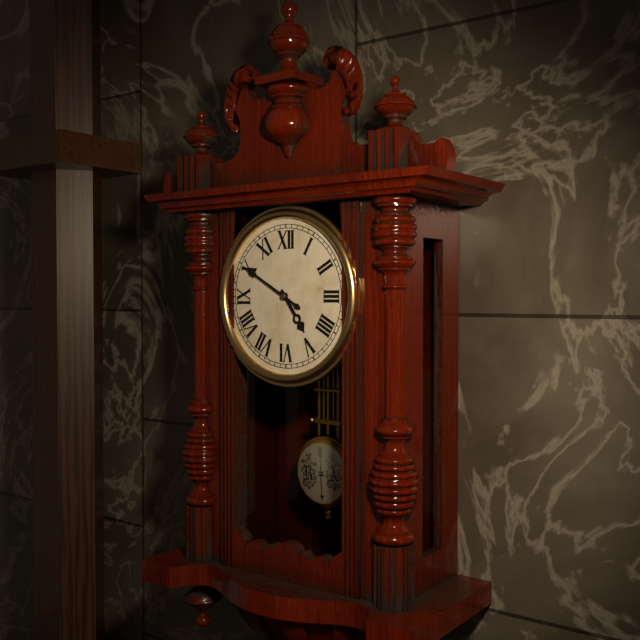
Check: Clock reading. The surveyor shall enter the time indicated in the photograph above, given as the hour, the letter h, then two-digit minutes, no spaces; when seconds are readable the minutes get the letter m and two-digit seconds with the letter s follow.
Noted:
4h50
